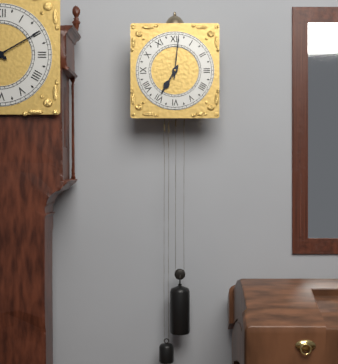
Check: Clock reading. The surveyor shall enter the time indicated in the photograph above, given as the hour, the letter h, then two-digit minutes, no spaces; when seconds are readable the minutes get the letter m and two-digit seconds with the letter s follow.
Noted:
7h01
